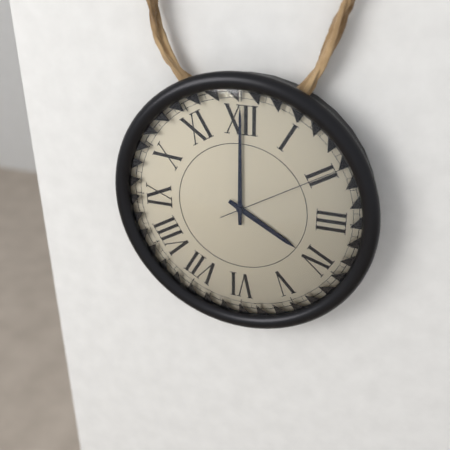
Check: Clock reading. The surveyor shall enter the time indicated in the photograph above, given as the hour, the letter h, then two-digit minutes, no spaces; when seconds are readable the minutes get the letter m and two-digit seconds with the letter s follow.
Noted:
4h00m10s
